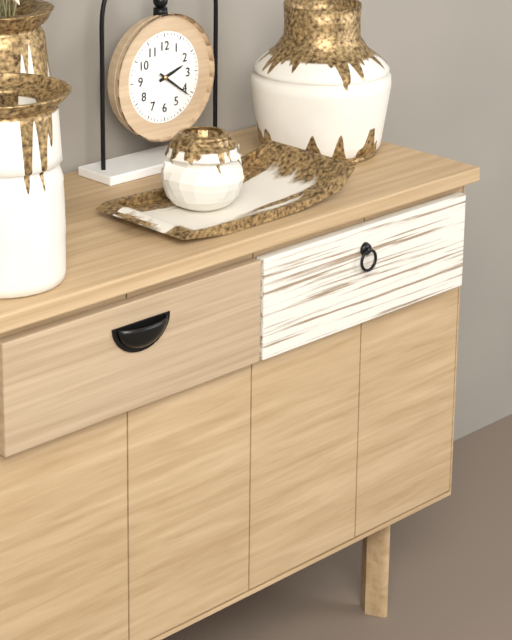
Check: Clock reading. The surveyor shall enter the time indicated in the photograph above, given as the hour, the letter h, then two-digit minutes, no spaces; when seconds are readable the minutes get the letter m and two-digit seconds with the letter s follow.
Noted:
2h21
